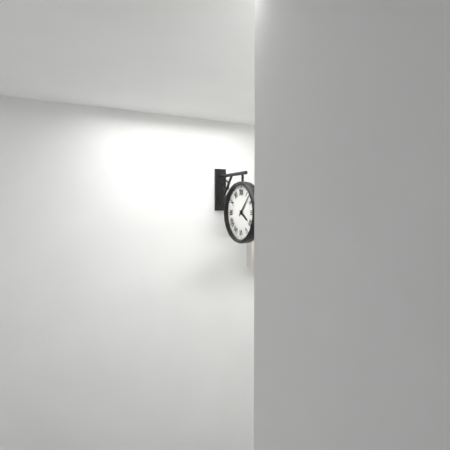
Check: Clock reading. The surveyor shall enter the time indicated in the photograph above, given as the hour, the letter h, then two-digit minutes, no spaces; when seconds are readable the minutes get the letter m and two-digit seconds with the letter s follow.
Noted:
4h07
